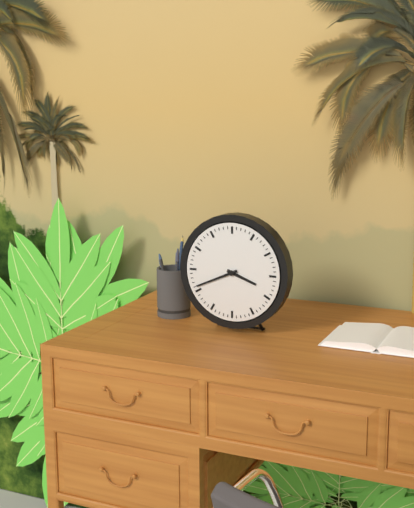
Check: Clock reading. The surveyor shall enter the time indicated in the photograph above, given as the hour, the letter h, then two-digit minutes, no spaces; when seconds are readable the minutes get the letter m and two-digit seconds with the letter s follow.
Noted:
3h41
